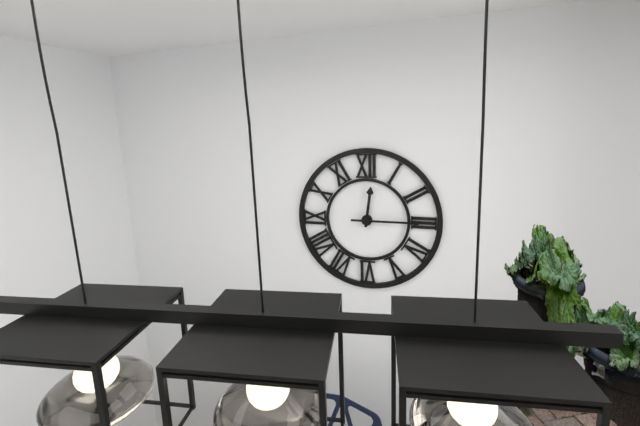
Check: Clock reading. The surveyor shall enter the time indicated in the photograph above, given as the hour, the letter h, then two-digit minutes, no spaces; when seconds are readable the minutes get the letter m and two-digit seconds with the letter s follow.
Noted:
12h15
